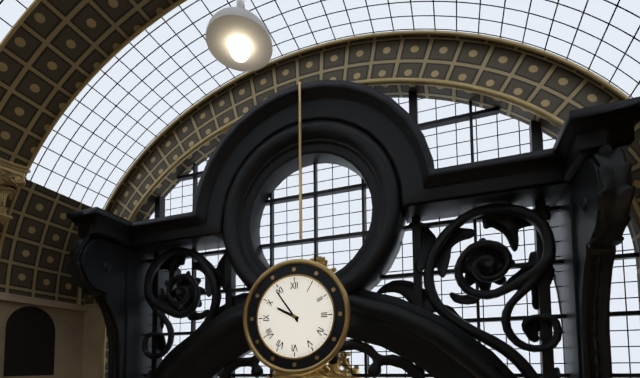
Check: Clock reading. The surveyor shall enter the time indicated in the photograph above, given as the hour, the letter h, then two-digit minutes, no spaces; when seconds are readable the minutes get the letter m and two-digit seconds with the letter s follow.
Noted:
9h54
